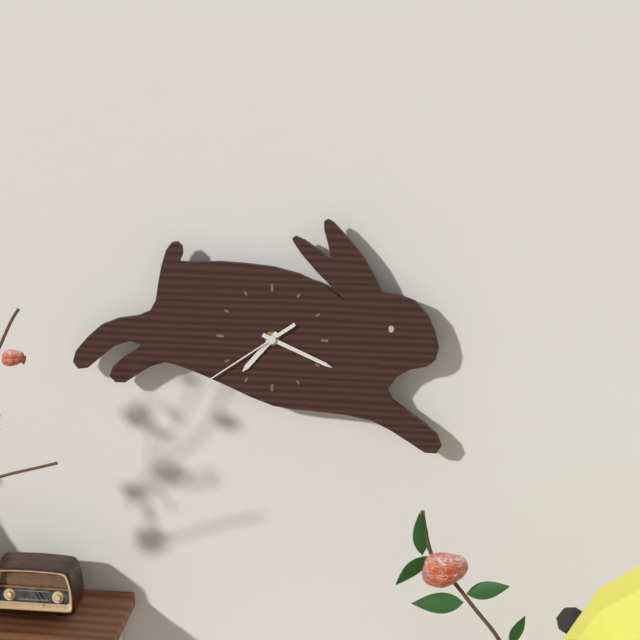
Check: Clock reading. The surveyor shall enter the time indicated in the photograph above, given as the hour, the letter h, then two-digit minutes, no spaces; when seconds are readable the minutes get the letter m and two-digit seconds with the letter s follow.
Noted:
7h19m39s
